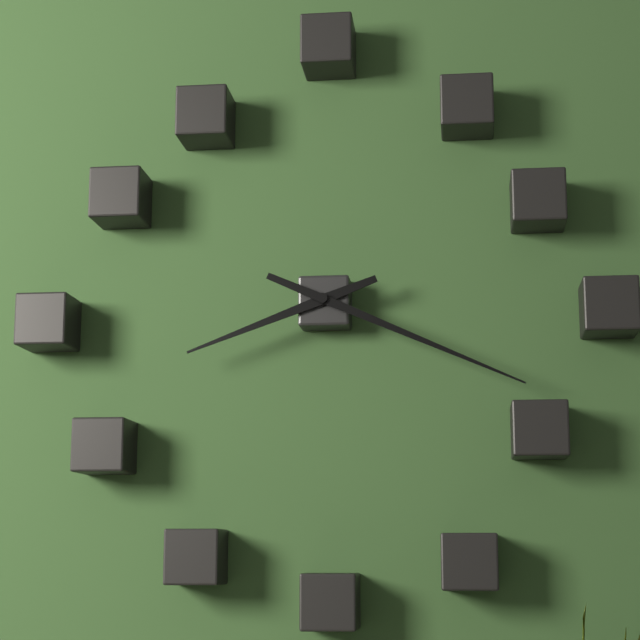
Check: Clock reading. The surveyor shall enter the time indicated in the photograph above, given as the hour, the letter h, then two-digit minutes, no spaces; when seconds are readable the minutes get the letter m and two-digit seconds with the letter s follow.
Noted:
8h19
